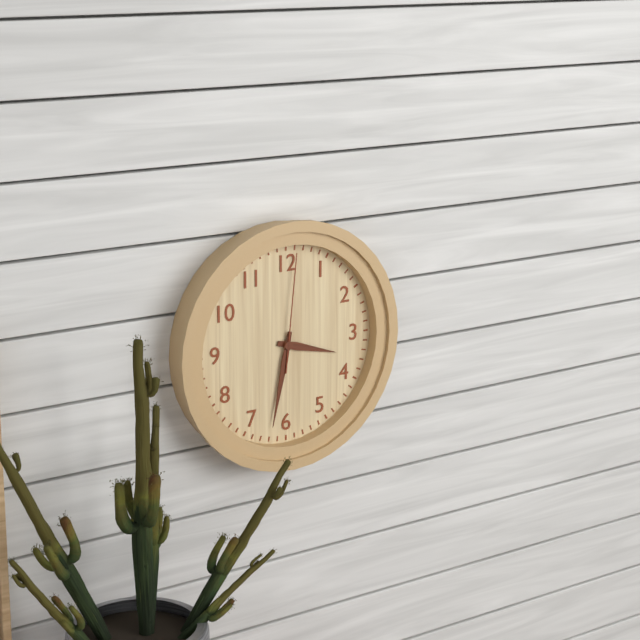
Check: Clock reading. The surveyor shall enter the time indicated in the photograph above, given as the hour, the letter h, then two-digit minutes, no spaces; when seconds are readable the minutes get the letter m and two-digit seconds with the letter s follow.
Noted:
3h32m01s
